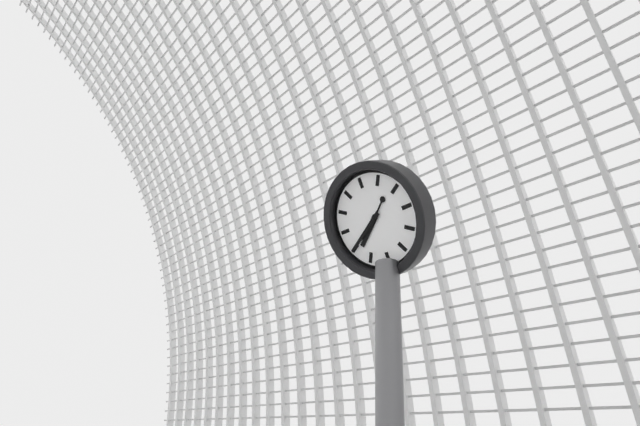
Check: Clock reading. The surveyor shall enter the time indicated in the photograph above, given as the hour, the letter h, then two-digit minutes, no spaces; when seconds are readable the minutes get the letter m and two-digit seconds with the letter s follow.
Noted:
7h40
